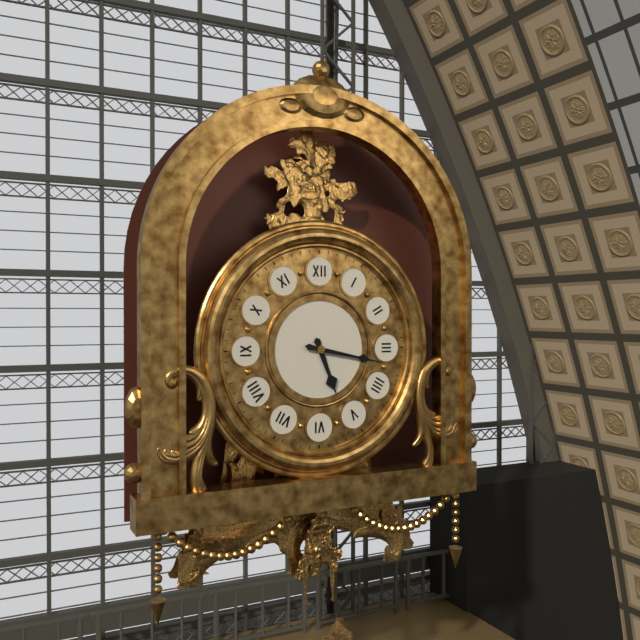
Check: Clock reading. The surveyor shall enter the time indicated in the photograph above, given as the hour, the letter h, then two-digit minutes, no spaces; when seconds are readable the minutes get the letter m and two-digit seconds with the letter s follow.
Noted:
5h17
